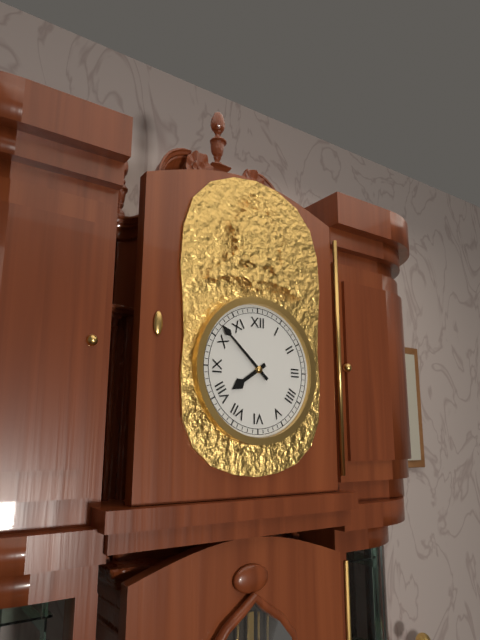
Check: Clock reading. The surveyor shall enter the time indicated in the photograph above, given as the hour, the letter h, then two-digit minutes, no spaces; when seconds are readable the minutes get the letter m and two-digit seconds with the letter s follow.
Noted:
7h52
